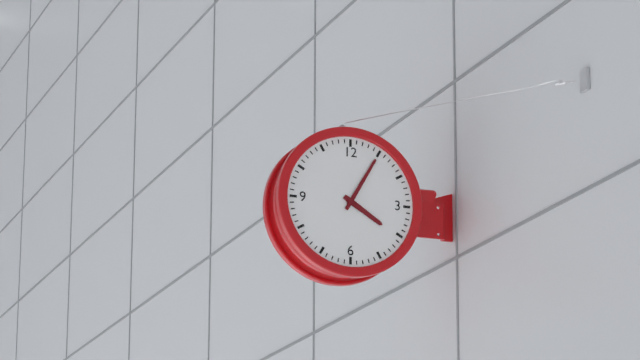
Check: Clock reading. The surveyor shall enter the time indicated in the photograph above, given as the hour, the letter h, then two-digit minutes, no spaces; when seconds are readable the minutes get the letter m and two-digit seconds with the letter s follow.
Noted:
4h05
